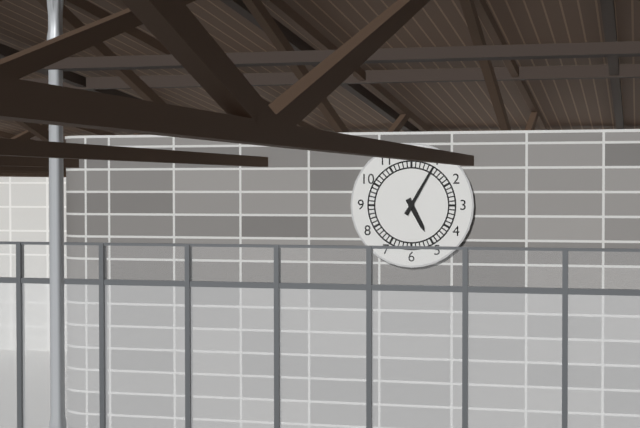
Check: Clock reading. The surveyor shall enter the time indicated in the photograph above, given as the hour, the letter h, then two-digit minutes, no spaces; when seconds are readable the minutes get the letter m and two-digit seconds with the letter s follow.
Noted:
5h05
